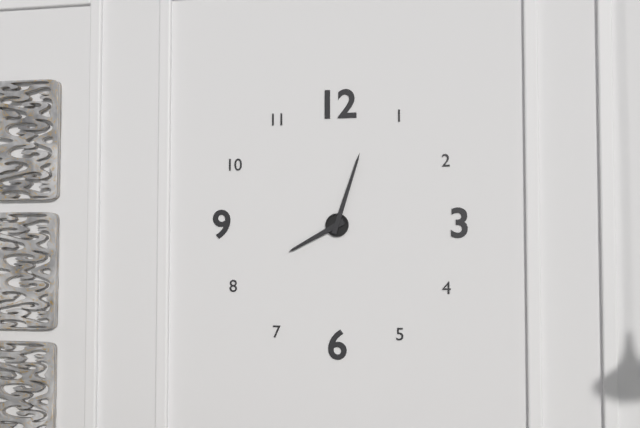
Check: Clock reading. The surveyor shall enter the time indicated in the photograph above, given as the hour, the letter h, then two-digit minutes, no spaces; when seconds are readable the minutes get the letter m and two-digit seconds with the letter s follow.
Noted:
8h03
